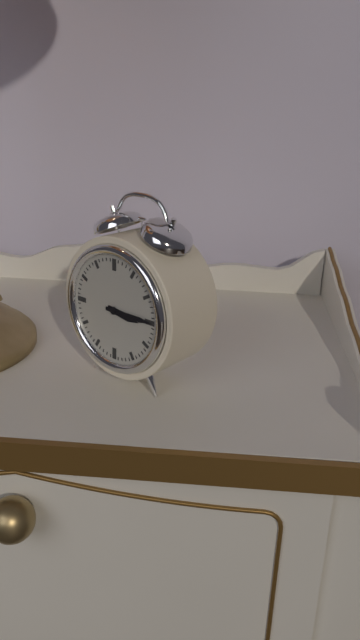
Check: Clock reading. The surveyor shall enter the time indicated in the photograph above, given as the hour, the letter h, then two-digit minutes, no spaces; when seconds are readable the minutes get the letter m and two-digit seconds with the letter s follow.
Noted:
3h15
